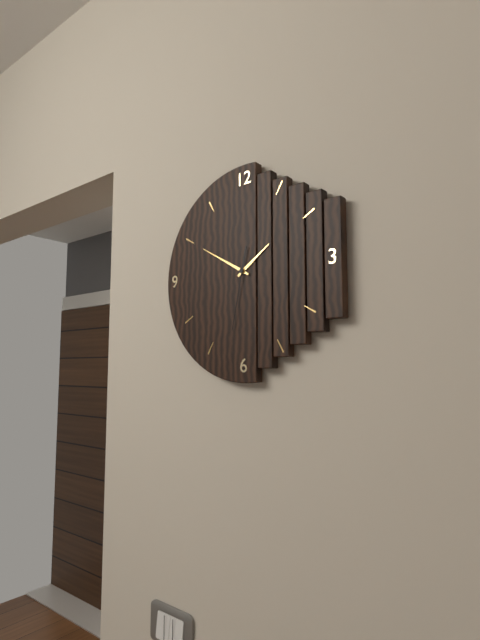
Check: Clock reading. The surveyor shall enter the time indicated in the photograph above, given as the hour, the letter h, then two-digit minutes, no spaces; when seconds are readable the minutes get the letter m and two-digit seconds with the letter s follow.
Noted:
1h50m32s
